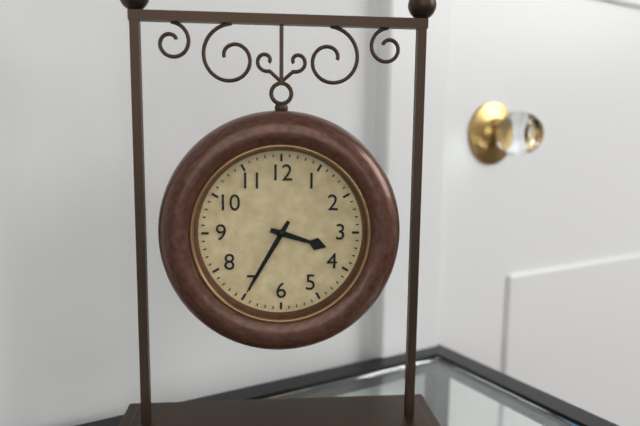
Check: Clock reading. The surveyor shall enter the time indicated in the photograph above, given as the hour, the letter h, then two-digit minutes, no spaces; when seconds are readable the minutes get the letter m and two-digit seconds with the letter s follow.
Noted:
3h35
